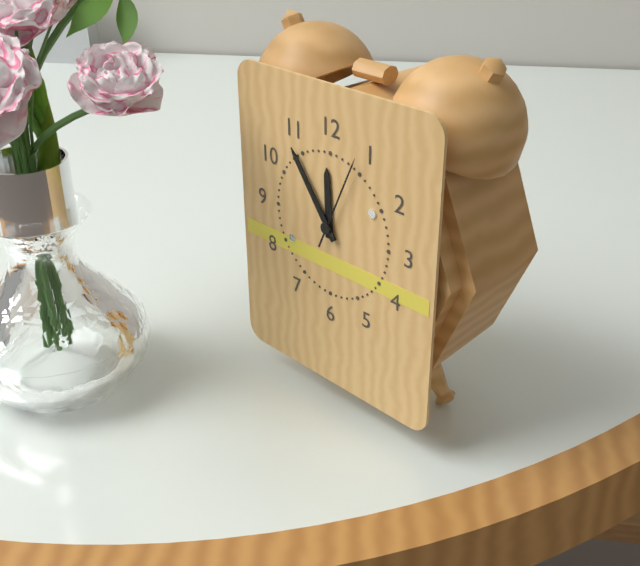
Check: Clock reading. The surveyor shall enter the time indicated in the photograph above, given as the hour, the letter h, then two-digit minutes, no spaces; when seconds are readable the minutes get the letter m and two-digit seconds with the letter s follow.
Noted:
11h54m04s
